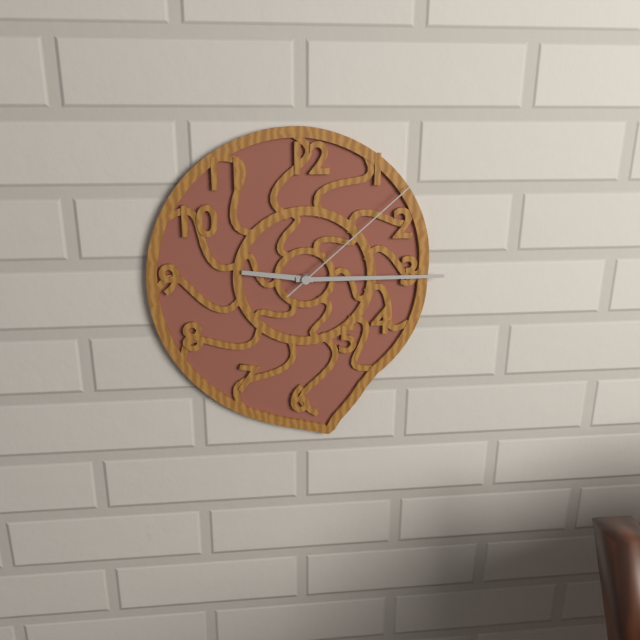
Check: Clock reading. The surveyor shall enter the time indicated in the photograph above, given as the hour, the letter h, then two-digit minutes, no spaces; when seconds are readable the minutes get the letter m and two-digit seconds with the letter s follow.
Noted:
9h15m08s
